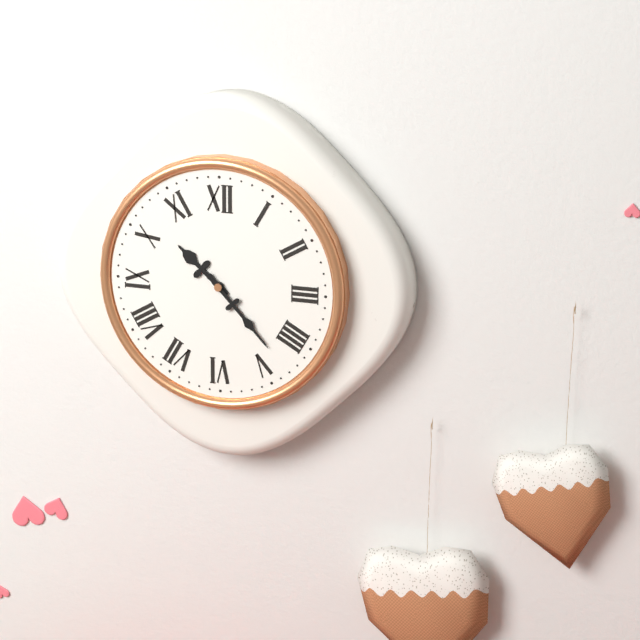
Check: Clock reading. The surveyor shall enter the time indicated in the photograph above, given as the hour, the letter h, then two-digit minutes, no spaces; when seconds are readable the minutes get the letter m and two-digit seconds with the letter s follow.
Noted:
10h23
